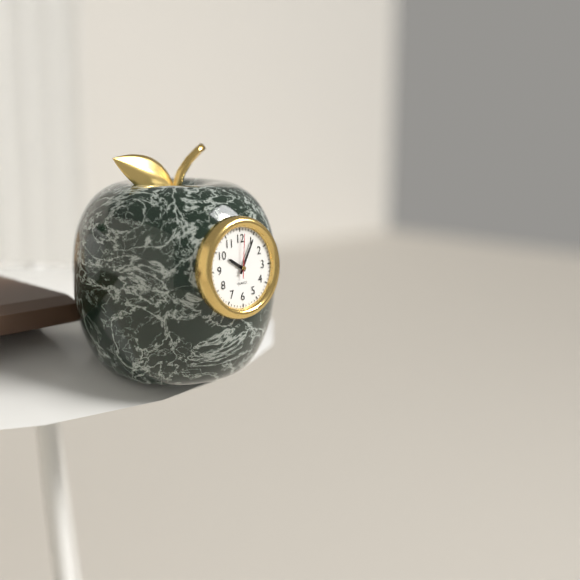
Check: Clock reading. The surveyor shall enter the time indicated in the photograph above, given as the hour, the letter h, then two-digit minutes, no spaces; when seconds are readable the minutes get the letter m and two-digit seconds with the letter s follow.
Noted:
10h05
